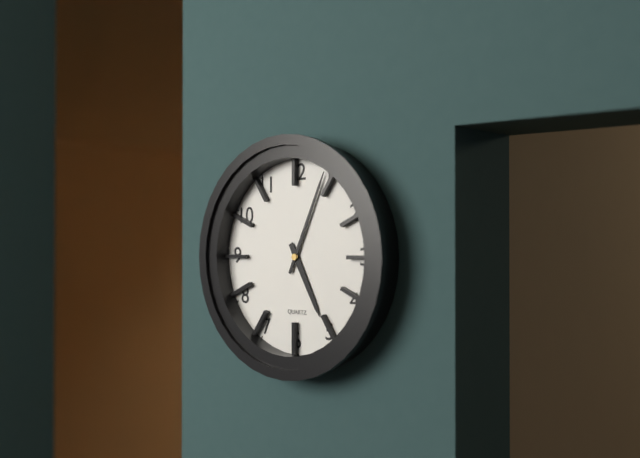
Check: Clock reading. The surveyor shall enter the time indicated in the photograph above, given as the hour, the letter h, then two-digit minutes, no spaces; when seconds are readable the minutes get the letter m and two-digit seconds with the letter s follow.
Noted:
5h04
